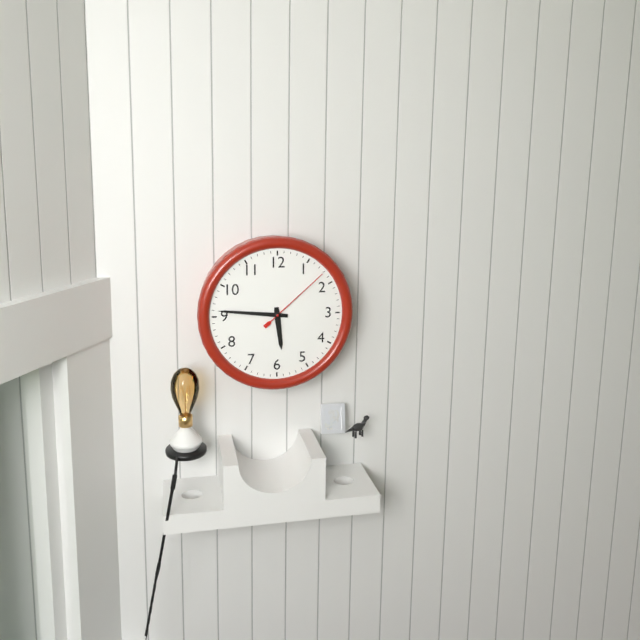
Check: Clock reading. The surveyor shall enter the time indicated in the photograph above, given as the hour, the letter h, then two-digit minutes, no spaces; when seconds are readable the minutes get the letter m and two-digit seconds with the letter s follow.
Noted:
5h46m08s
